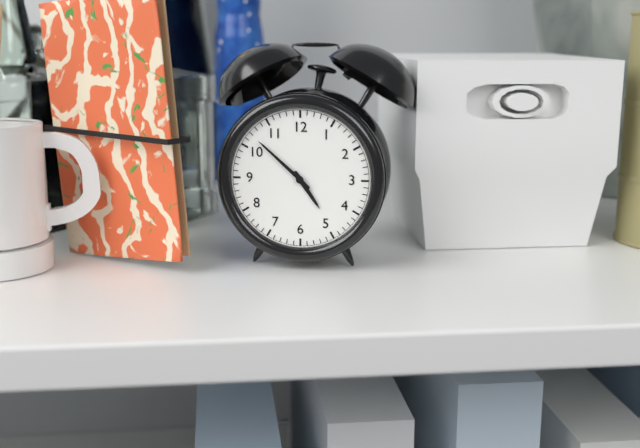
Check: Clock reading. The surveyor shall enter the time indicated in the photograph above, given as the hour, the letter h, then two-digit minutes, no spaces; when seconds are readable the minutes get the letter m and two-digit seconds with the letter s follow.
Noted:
4h52
